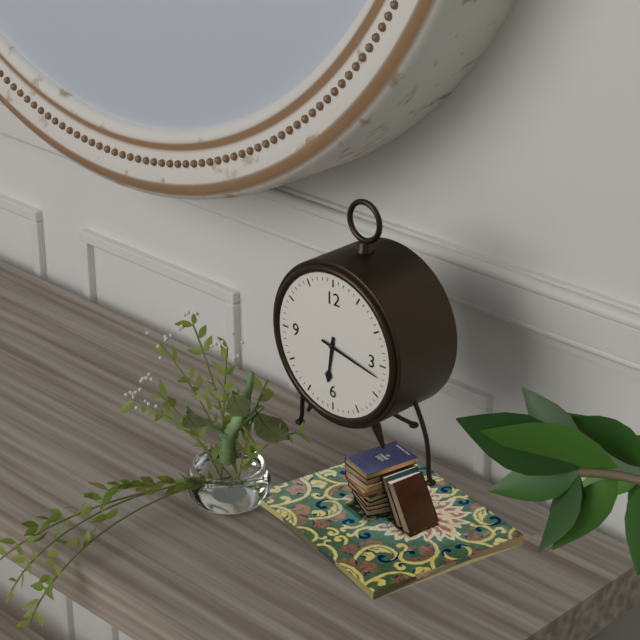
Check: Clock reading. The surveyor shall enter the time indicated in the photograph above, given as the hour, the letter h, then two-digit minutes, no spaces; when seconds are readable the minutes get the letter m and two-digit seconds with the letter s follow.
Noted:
6h17
